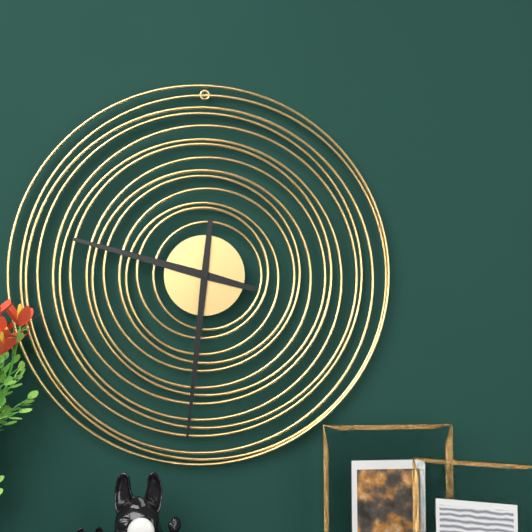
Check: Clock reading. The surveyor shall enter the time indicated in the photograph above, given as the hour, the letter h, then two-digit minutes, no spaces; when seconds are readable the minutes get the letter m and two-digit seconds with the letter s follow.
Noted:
9h31
